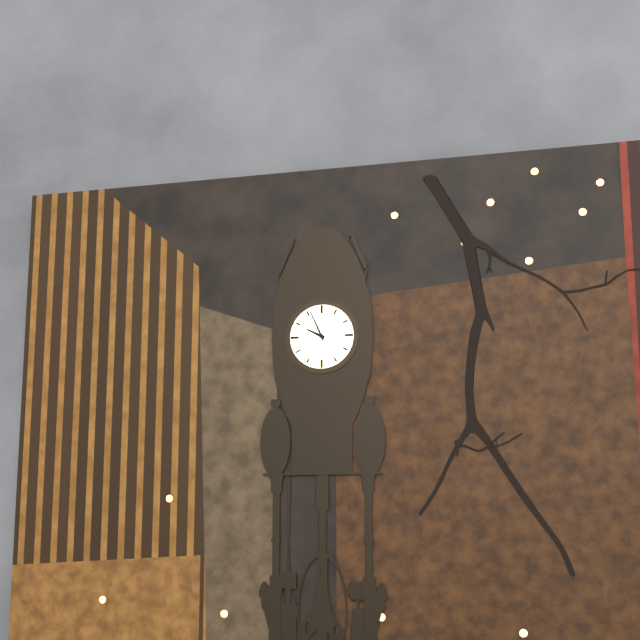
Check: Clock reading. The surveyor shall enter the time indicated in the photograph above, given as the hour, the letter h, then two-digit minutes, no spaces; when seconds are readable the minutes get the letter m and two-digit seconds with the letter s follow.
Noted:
9h56
